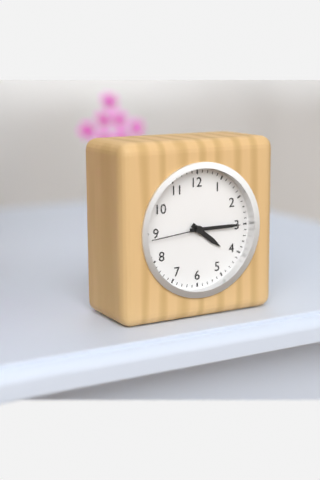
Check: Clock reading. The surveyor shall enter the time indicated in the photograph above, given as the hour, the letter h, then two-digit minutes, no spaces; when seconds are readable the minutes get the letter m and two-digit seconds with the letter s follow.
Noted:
4h15m44s
